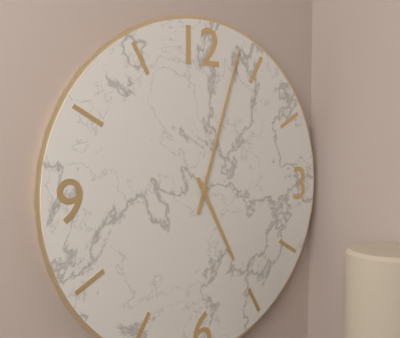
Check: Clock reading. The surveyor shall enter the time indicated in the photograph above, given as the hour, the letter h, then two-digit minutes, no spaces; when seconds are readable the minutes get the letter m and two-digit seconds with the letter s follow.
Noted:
5h03
